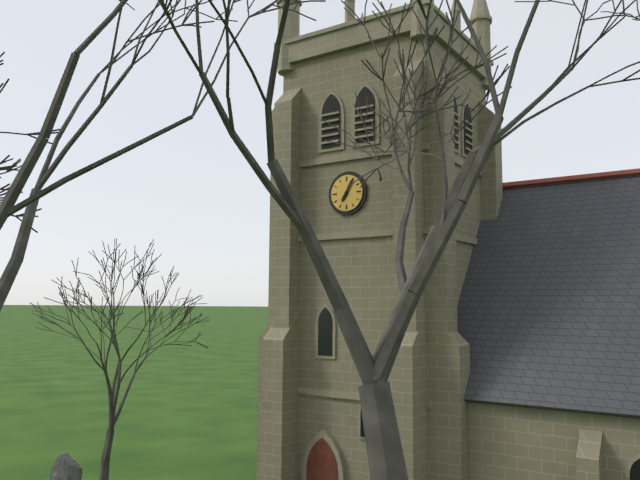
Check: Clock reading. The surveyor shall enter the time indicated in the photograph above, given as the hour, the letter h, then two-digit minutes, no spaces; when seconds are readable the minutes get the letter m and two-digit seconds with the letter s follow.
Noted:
7h05
